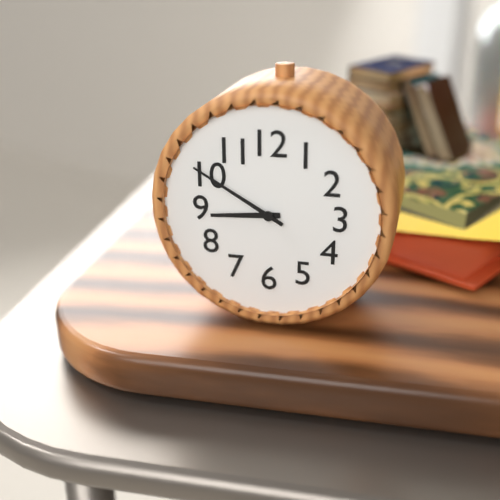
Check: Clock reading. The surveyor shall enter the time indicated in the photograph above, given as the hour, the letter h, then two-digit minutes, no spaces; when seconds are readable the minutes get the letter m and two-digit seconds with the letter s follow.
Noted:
8h50
